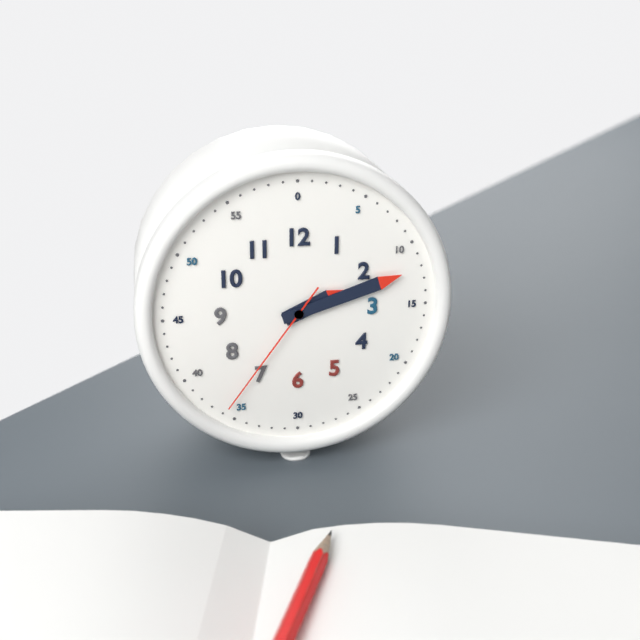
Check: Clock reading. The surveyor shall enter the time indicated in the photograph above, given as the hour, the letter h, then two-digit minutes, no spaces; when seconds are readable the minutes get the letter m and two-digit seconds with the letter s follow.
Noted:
2h12m36s
